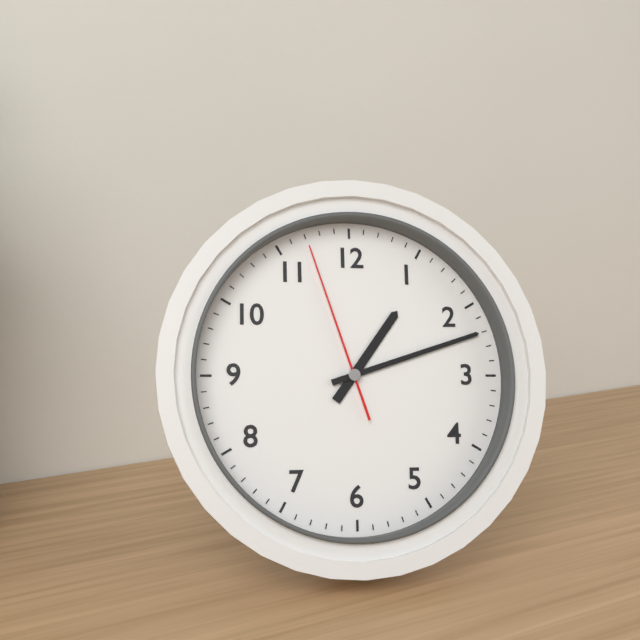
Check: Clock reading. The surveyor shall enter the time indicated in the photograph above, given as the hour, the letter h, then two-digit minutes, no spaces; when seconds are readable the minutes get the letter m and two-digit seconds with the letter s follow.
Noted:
1h12m57s
